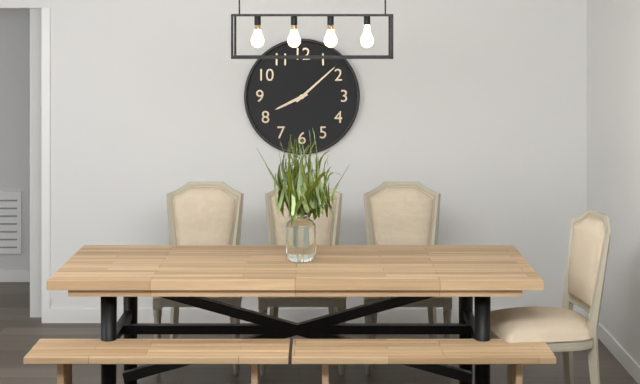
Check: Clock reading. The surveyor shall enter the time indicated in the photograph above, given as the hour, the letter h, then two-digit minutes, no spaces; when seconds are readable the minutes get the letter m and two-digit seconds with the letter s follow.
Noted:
8h08
